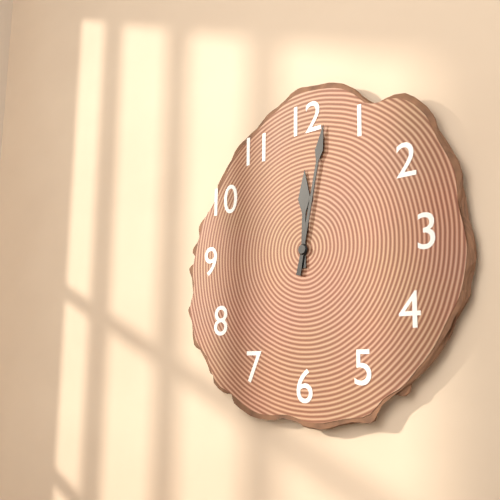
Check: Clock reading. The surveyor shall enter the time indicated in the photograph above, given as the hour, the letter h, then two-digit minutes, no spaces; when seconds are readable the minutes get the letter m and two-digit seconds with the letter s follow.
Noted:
12h02
